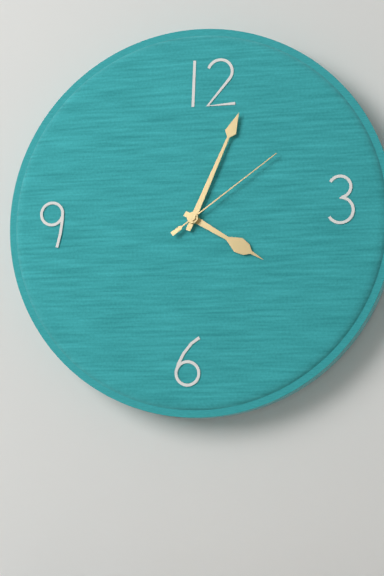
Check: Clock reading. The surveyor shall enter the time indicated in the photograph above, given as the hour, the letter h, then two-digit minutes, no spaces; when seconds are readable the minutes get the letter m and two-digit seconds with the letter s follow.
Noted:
4h04m09s
